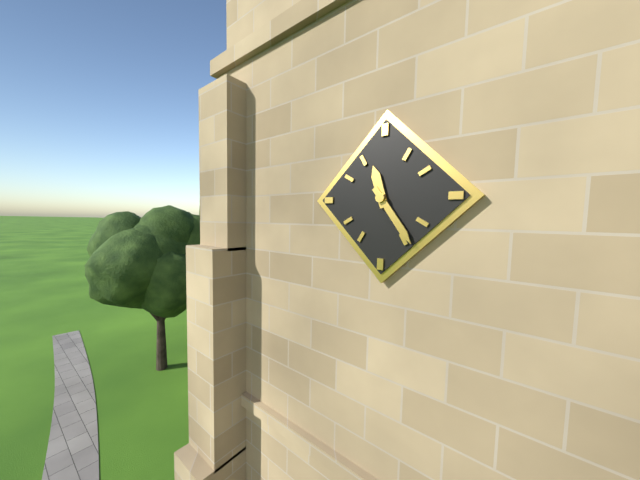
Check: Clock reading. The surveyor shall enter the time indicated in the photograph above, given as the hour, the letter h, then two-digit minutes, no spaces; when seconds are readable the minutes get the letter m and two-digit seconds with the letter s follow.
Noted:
11h24
